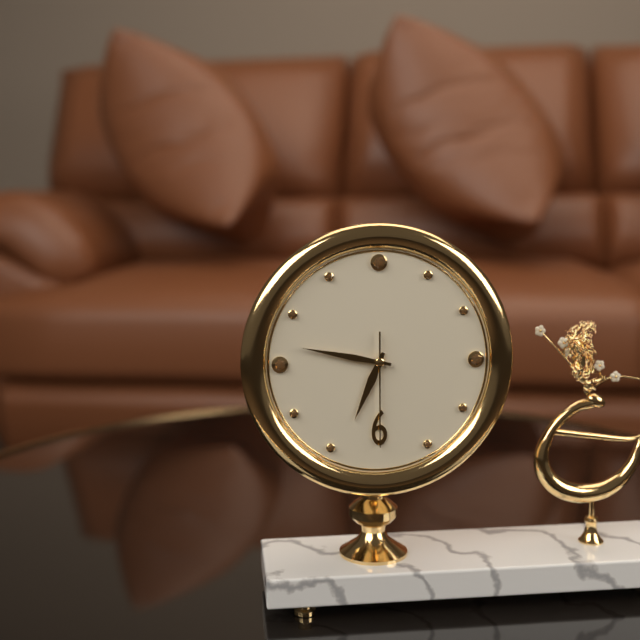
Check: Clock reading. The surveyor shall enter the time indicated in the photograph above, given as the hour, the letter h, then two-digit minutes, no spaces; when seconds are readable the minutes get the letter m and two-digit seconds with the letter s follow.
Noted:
6h47m30s
